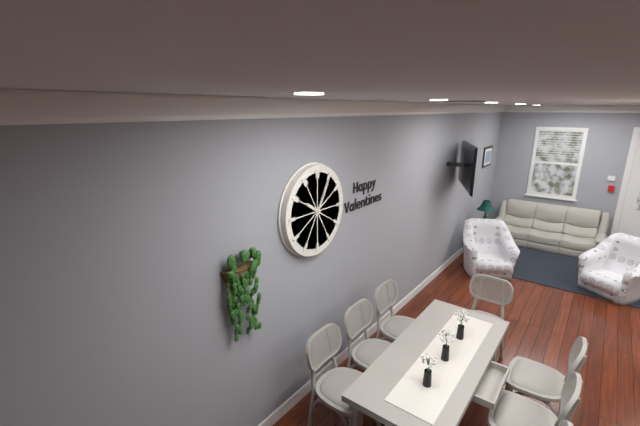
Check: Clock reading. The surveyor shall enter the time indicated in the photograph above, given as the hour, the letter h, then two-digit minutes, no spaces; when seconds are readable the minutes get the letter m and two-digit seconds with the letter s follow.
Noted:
10h05
